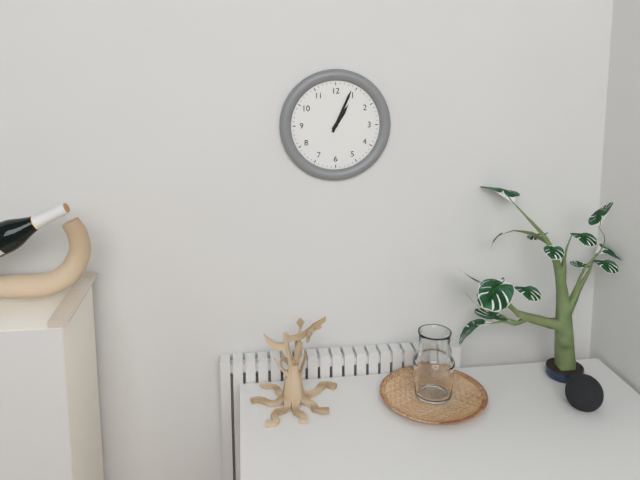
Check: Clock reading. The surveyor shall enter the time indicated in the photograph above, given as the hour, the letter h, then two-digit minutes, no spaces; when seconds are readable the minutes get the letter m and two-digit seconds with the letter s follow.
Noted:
1h04
